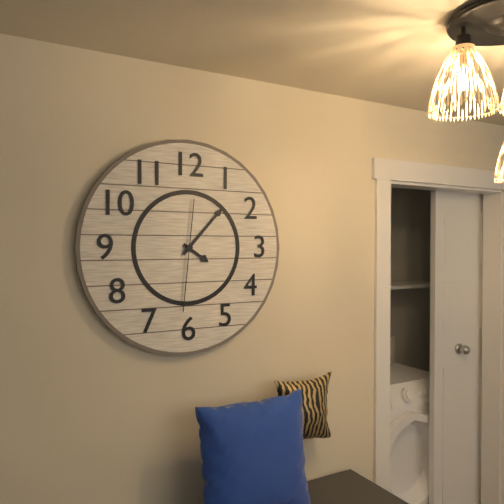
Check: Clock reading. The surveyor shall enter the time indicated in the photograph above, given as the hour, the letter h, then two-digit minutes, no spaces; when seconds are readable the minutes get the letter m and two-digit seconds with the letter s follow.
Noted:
4h07m31s
